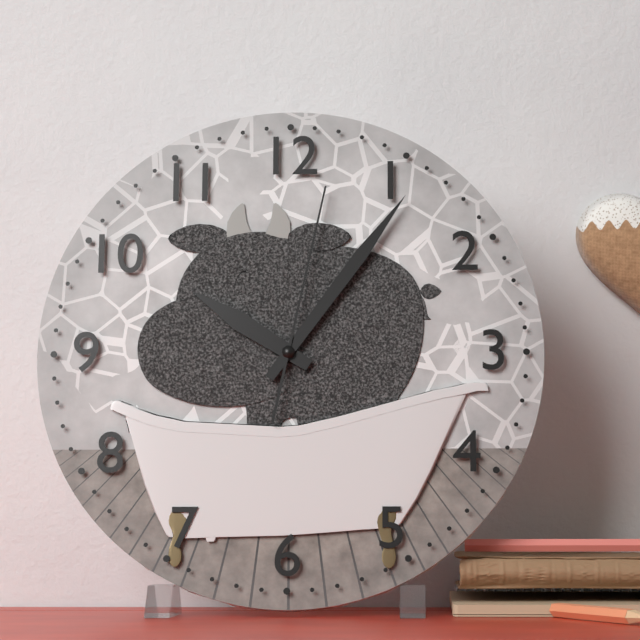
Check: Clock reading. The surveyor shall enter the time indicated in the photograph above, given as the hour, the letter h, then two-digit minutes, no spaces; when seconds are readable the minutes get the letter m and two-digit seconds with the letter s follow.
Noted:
10h06m02s
